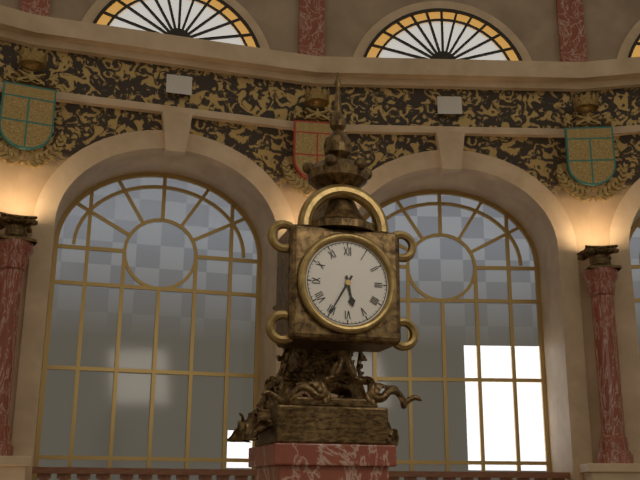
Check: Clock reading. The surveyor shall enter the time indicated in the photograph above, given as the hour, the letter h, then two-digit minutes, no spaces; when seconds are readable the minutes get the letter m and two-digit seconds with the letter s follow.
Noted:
5h35
